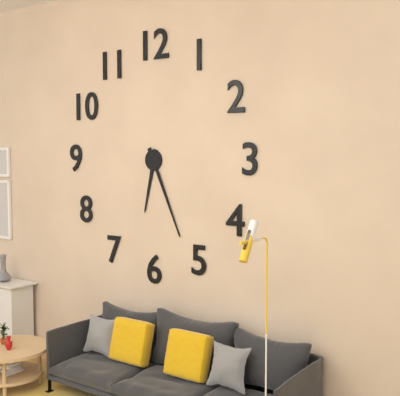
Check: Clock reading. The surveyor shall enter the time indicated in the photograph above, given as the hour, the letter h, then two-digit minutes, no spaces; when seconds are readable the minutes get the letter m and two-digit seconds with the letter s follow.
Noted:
6h26
